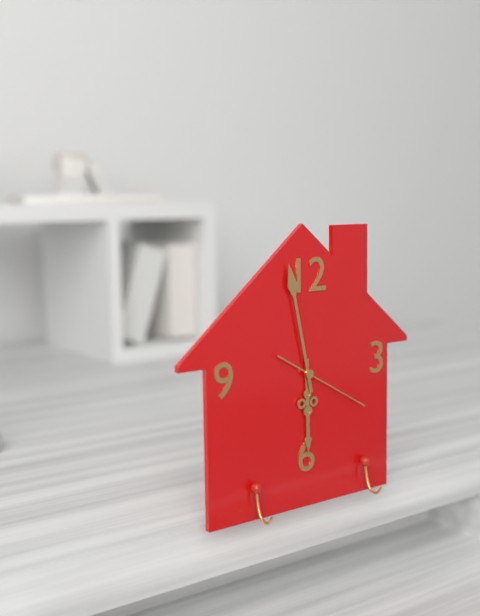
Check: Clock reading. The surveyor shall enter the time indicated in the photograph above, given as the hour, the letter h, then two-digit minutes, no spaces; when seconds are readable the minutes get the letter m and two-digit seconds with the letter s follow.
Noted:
5h58m20s
